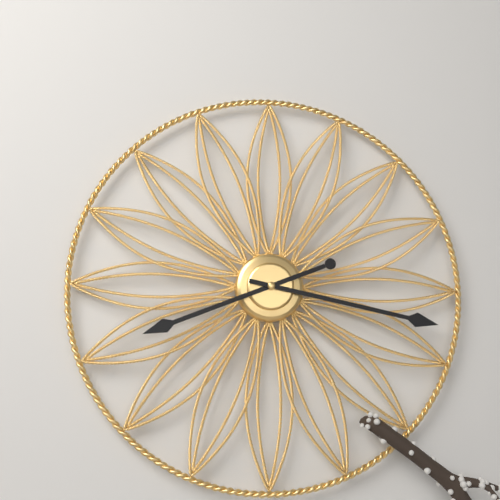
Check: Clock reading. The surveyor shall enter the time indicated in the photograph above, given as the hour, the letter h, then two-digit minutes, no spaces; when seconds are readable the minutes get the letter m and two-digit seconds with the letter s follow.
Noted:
8h17
